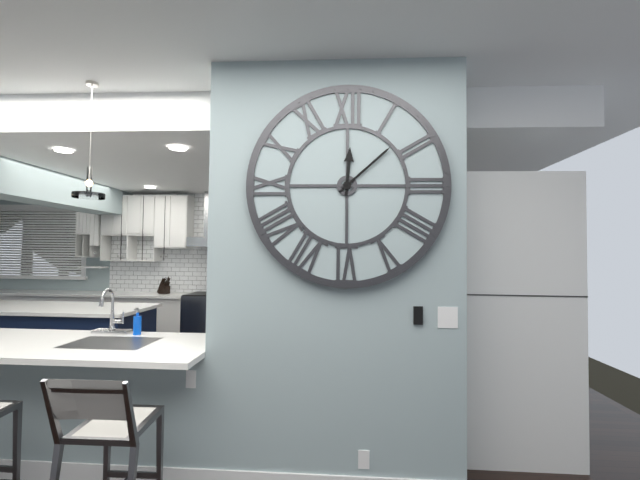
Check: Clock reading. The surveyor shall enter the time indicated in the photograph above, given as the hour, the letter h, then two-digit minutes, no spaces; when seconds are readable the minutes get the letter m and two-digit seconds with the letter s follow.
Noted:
12h08
